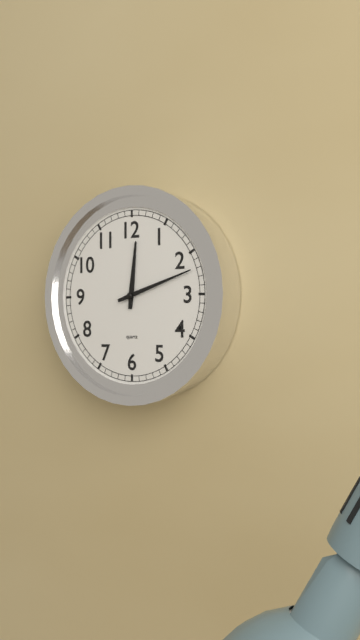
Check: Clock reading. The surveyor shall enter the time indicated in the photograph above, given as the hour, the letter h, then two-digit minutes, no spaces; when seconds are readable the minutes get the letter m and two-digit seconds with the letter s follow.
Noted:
12h12
